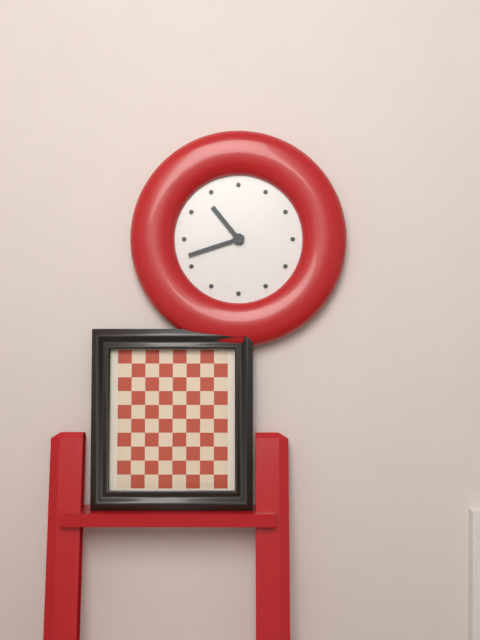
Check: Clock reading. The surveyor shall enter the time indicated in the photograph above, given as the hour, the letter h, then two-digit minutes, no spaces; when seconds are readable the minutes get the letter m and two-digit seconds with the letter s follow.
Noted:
10h42
